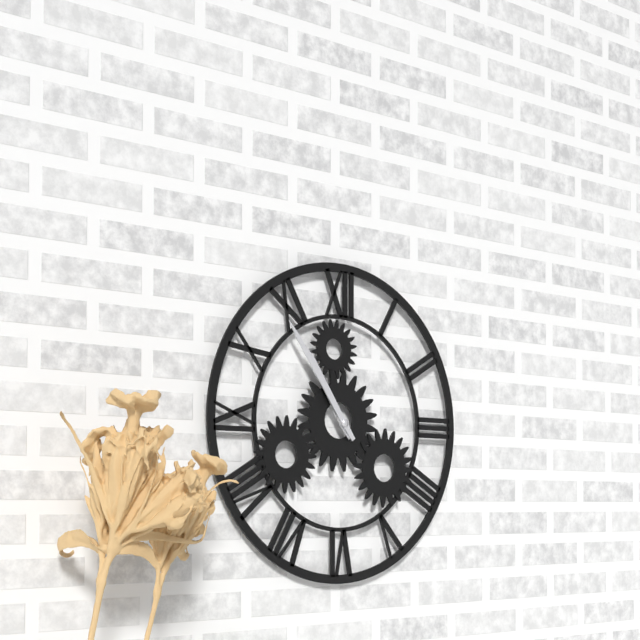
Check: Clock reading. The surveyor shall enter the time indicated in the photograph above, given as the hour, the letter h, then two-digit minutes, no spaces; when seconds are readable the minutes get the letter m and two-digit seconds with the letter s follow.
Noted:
10h54
